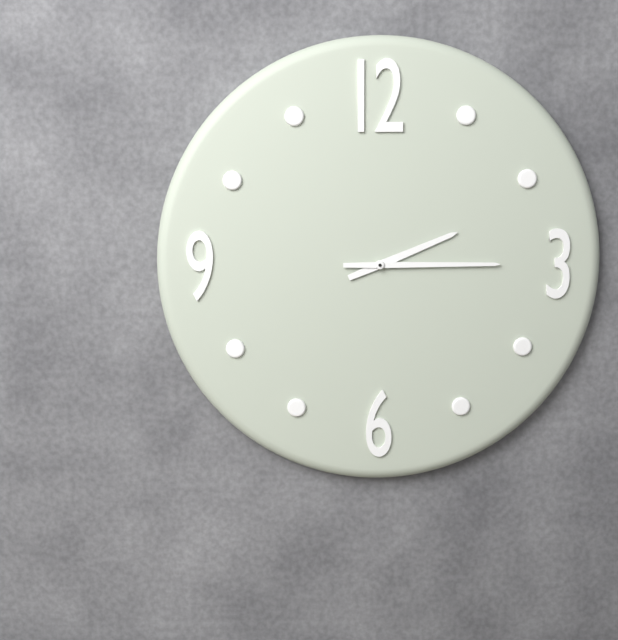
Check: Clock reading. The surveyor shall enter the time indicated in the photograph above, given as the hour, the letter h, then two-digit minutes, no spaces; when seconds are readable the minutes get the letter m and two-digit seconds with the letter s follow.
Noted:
2h15
